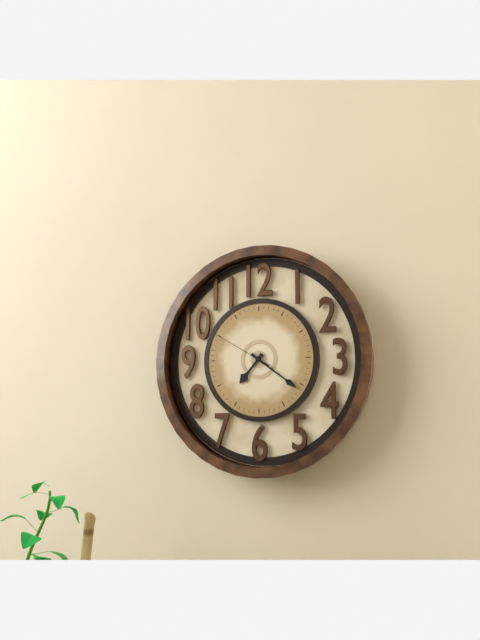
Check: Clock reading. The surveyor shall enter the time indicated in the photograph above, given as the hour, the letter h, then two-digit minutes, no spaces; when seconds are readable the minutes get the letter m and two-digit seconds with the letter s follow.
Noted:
7h21m50s
